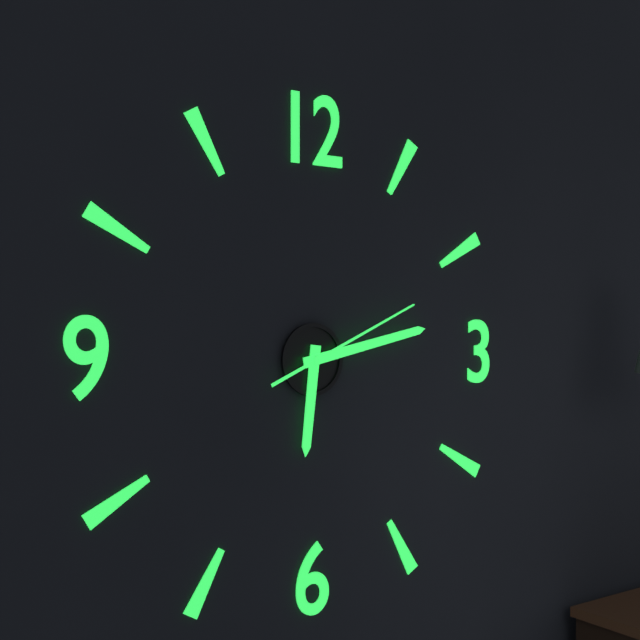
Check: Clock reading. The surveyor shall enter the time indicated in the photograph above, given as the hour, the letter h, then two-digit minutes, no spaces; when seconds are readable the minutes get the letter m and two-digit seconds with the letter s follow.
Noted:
6h13m11s
